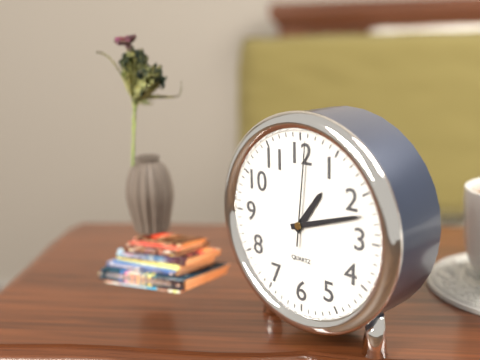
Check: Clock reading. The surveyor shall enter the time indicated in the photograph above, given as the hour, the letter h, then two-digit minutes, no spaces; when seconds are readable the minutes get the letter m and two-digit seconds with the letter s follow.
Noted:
1h12m01s
